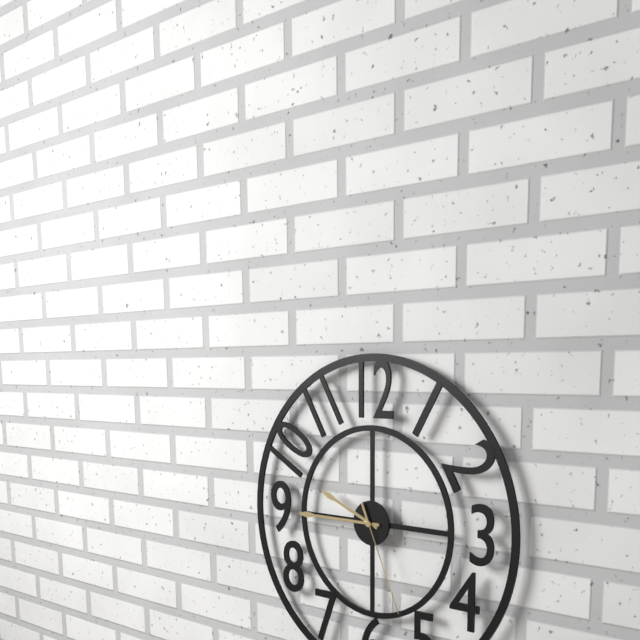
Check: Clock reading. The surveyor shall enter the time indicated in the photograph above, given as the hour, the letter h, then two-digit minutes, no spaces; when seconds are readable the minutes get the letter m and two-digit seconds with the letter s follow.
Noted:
9h45m26s
